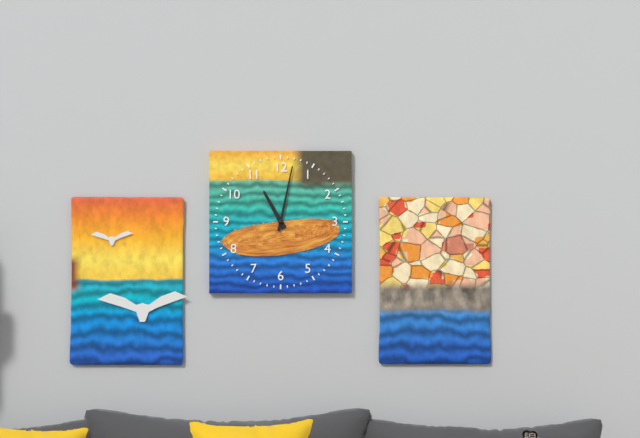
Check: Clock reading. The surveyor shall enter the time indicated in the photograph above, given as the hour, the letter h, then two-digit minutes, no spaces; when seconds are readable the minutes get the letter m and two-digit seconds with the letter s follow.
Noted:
11h02
